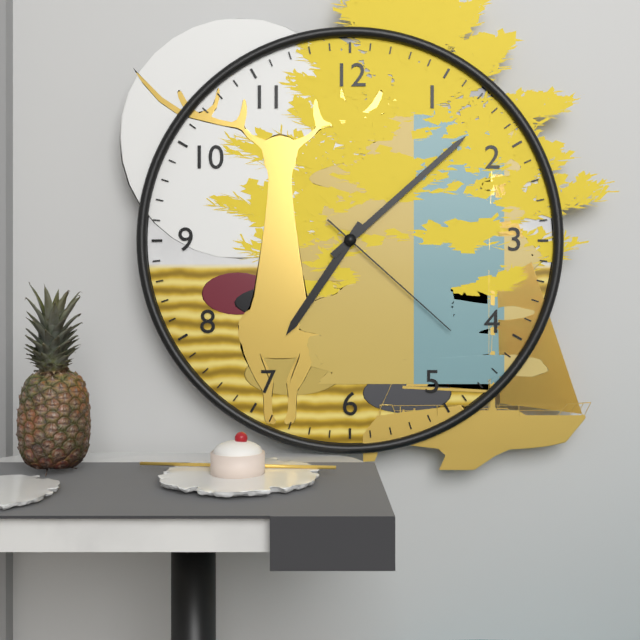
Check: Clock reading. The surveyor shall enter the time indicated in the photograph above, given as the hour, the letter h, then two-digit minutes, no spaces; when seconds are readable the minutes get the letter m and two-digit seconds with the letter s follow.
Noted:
7h08m22s
